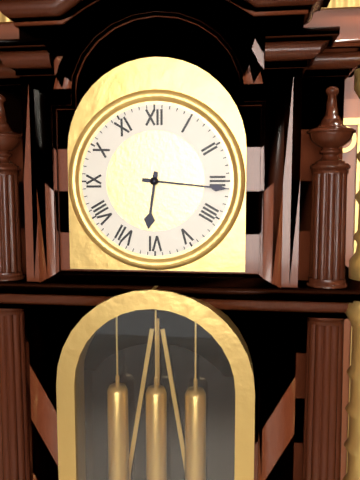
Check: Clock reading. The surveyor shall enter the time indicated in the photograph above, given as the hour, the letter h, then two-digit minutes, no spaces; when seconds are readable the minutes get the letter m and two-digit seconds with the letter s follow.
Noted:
6h16
